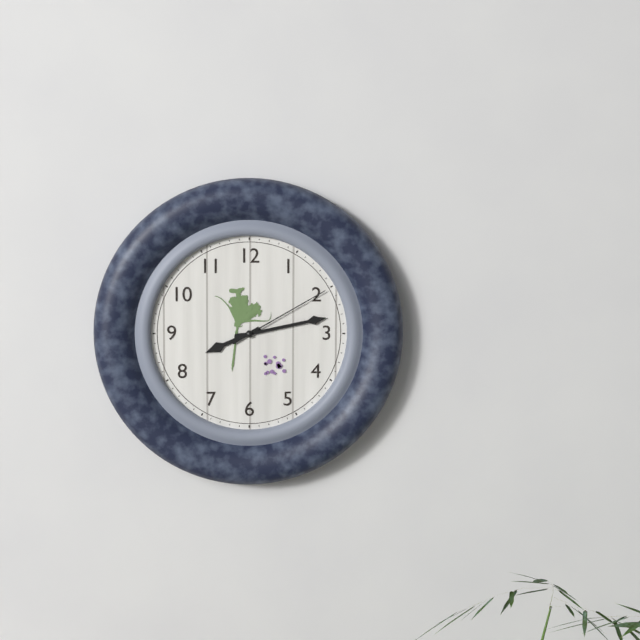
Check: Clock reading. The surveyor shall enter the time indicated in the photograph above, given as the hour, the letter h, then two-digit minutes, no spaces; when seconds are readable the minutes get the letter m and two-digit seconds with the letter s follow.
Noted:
8h13m10s
